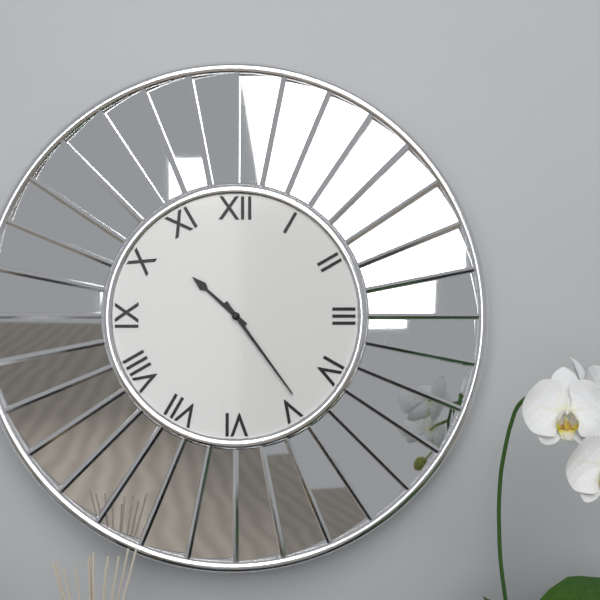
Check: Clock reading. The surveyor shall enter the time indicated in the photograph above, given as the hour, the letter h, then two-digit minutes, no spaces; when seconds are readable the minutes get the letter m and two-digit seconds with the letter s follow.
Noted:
10h24
